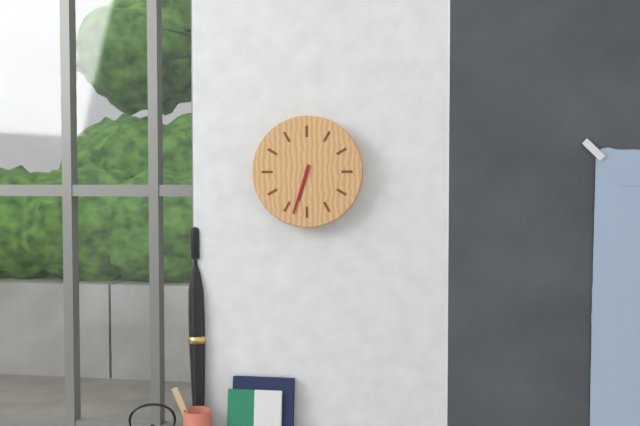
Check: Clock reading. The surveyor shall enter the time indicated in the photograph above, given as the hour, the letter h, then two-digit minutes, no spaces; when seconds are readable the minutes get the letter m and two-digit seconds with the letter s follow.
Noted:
6h33
